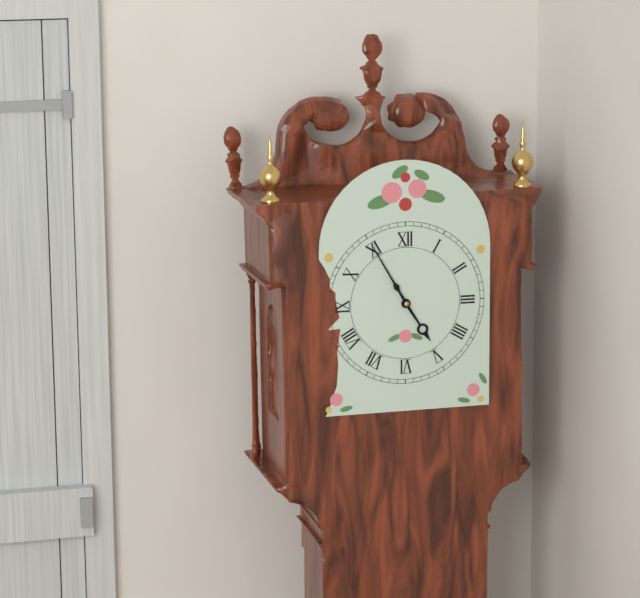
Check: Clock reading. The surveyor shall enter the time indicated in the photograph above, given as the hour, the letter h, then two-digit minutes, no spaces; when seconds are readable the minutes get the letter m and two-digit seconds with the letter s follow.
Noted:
4h55
